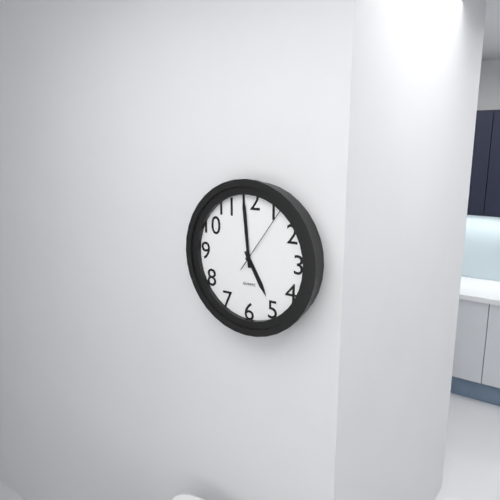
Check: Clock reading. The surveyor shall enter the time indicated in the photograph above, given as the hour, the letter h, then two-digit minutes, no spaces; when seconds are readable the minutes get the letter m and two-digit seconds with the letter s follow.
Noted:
4h59m06s
